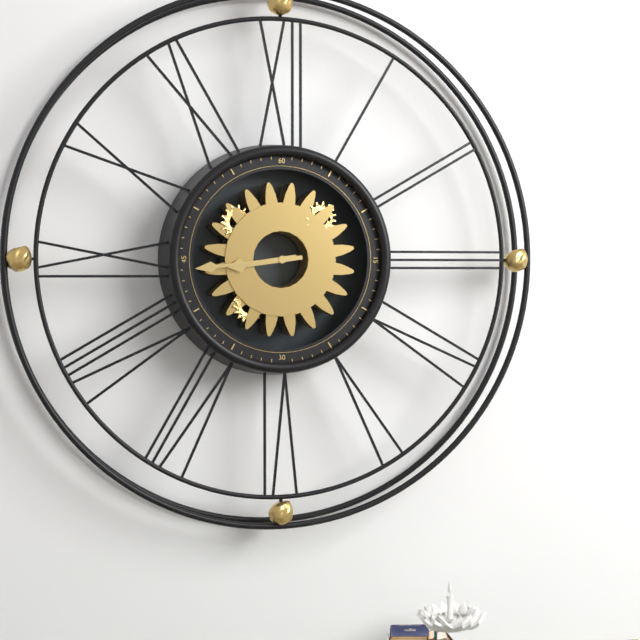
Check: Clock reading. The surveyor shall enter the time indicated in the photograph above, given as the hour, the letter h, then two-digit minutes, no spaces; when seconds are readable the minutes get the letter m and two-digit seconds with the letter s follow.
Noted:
8h44
